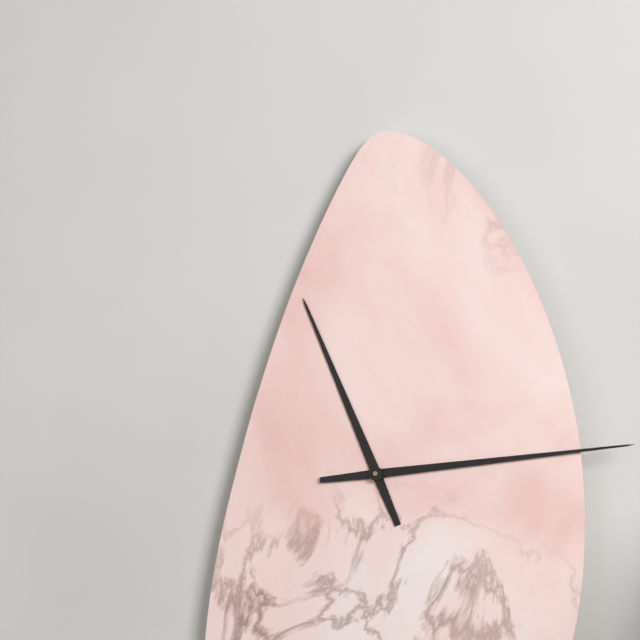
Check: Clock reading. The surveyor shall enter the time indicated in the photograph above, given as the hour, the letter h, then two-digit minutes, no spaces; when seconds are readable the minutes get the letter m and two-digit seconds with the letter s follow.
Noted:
11h14
